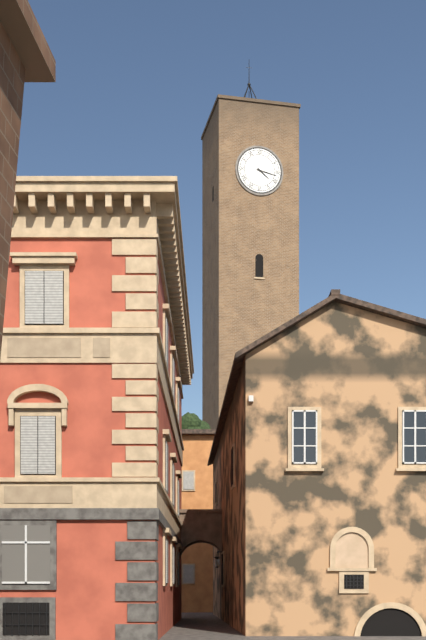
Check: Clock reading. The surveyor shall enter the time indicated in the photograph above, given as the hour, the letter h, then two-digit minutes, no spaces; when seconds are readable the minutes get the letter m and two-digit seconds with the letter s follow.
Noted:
4h17
